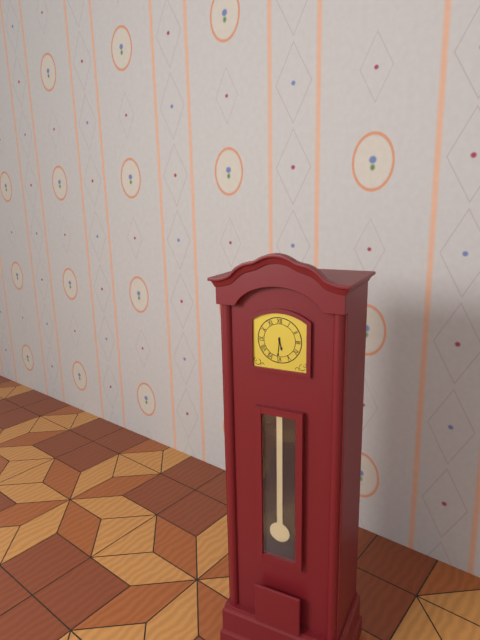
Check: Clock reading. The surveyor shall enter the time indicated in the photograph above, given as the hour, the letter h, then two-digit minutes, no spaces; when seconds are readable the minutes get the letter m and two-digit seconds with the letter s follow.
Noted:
5h31
